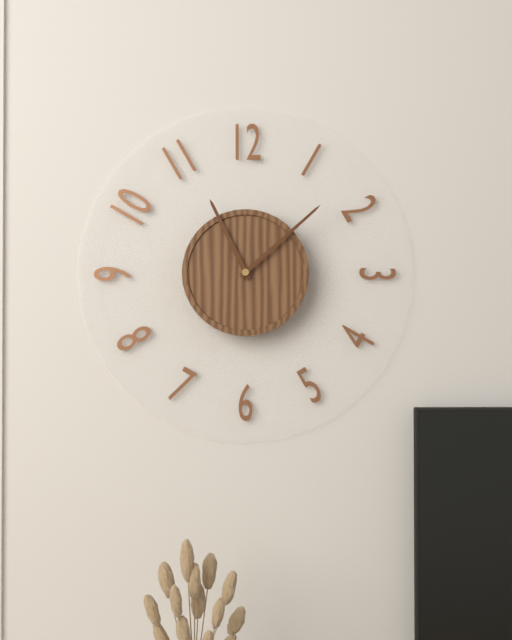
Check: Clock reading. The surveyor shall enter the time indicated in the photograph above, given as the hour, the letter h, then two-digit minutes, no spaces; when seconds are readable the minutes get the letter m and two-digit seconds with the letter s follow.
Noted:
11h08
